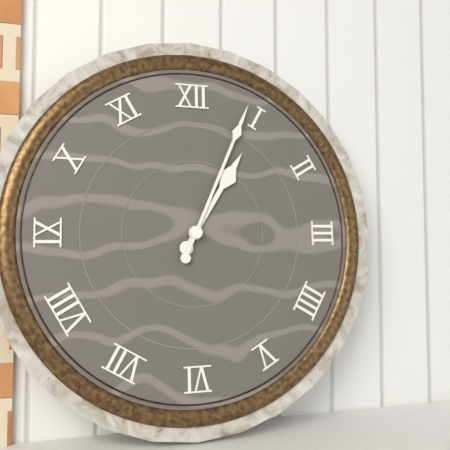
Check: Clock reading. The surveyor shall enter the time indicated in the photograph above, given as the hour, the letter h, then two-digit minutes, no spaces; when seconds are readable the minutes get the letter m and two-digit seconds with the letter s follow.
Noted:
1h04
